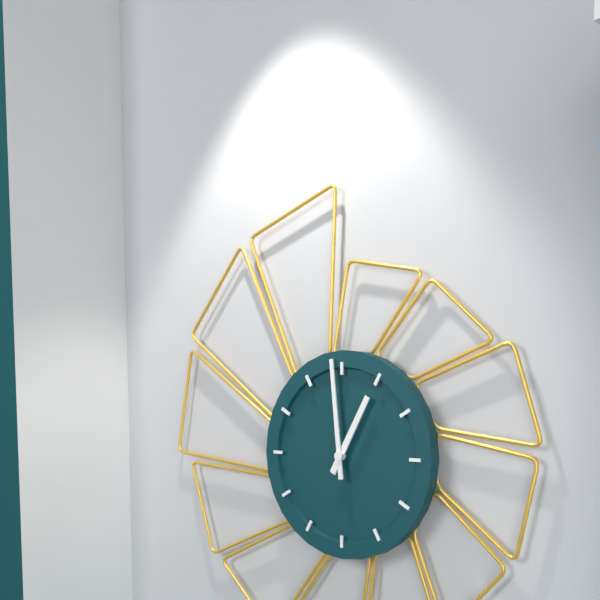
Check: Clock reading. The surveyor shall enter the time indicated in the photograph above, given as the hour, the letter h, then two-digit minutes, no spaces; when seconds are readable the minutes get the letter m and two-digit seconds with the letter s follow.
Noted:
12h59
